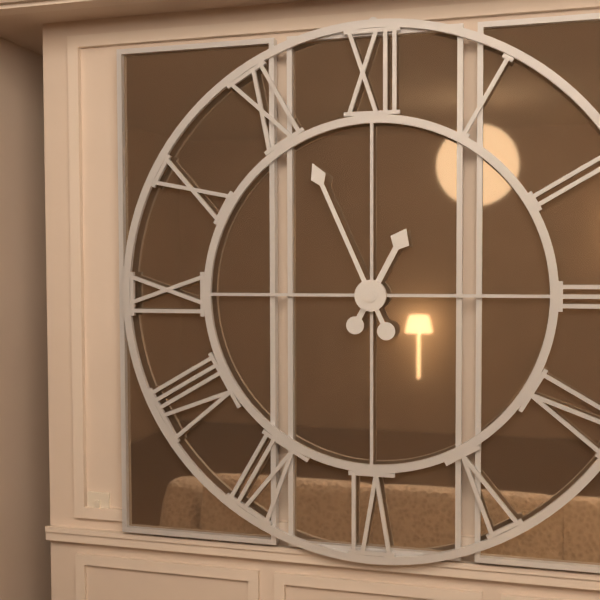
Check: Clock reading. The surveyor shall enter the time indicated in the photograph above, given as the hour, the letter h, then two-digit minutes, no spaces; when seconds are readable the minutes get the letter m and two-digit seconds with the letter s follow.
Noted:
12h56
